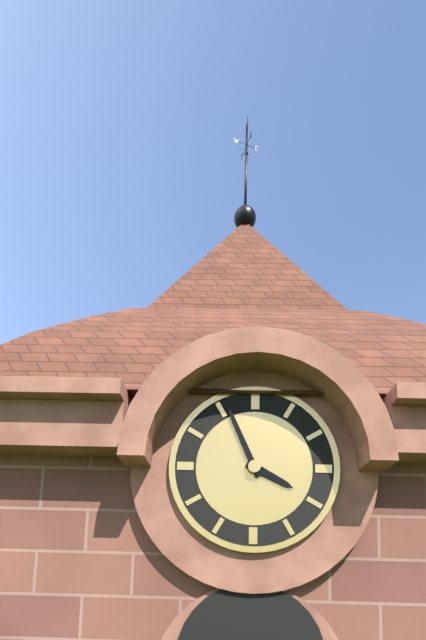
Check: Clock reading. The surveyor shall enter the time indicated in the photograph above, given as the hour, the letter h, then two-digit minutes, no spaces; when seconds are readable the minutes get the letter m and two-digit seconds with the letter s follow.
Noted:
3h56
